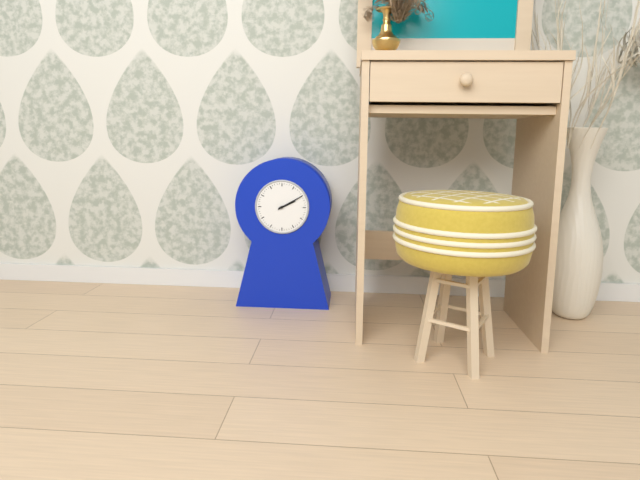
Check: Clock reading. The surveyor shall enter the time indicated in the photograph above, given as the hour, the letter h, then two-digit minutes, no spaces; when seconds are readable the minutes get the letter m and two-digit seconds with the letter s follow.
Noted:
2h10
